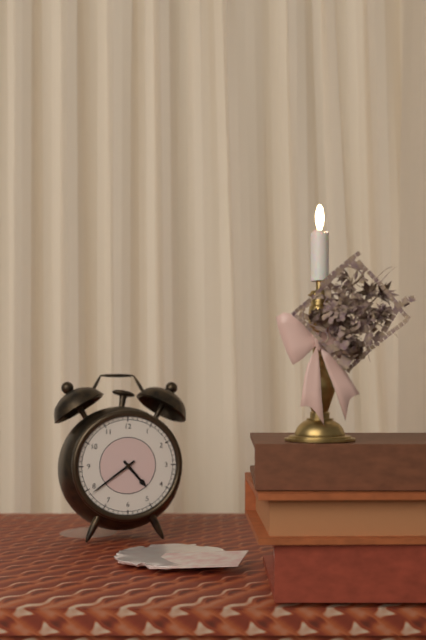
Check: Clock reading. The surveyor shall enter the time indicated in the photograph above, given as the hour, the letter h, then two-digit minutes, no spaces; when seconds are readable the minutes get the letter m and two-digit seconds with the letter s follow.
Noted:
4h39
